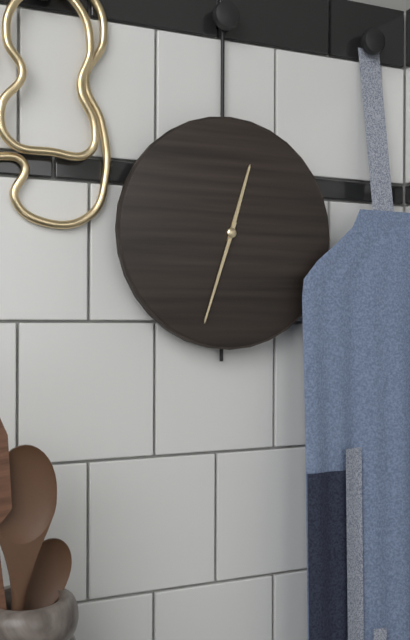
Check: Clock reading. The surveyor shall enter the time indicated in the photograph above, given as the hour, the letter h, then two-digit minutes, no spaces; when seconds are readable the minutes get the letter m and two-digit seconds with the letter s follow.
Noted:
12h33
